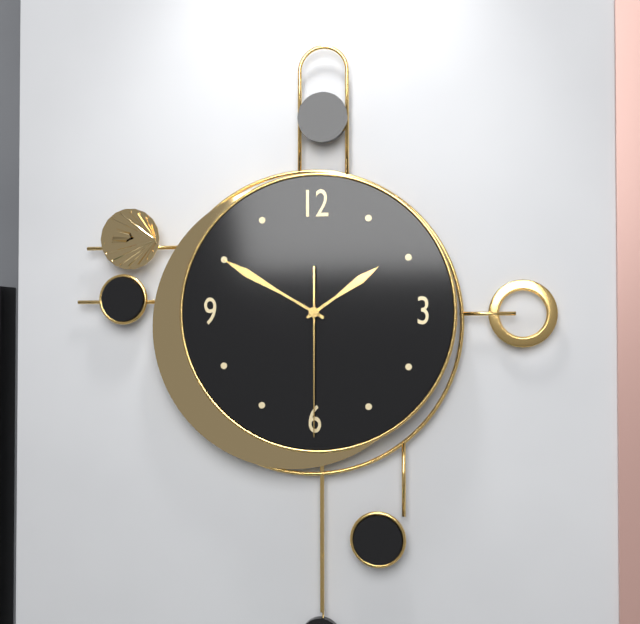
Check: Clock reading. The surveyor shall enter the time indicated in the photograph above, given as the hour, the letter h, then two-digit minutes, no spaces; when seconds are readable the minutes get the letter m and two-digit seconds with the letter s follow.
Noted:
1h50m30s
